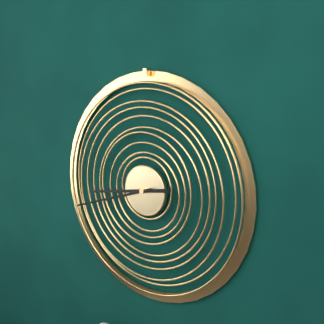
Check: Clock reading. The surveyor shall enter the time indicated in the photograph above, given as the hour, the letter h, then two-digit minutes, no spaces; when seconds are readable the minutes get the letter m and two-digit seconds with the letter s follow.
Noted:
8h42
